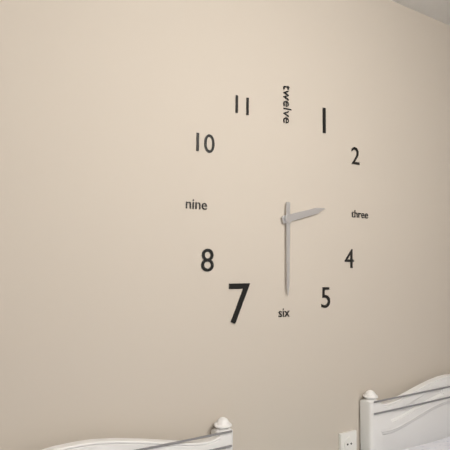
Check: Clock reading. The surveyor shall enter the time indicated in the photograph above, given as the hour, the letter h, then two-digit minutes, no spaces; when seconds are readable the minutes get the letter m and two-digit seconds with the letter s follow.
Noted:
2h30
